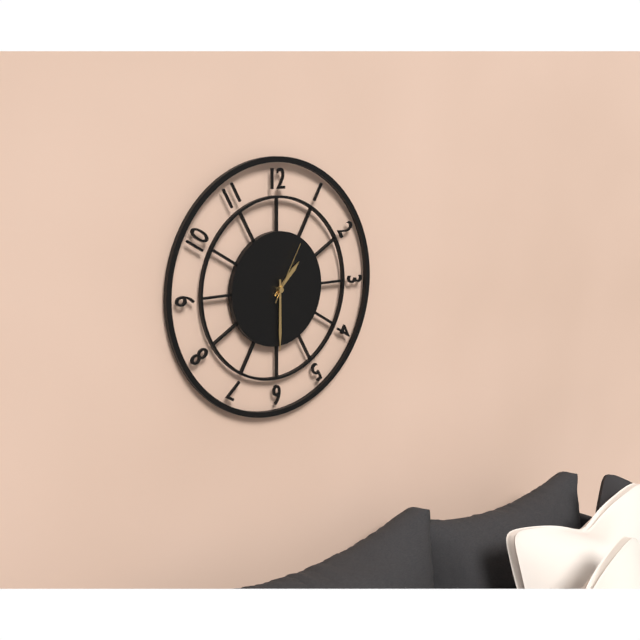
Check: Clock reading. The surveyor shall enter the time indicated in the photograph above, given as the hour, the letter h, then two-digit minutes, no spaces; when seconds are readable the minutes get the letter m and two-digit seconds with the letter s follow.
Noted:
1h30m05s
